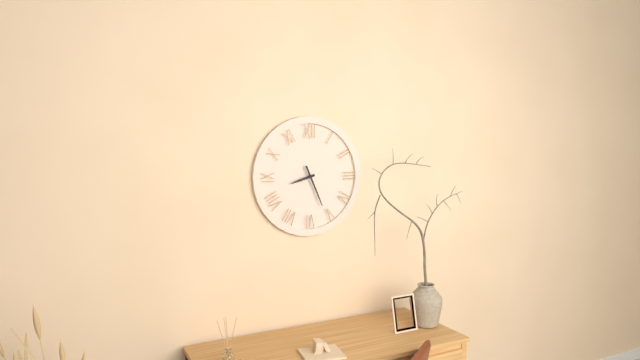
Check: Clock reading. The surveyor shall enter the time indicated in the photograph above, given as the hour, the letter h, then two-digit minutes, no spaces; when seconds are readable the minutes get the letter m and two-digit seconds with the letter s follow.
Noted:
8h26
